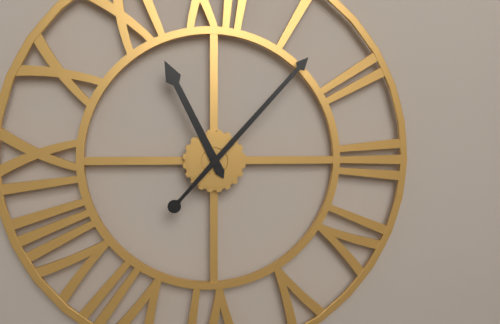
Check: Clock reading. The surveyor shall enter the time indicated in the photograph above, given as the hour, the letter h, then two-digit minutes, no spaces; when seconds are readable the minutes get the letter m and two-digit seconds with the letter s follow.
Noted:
11h07
